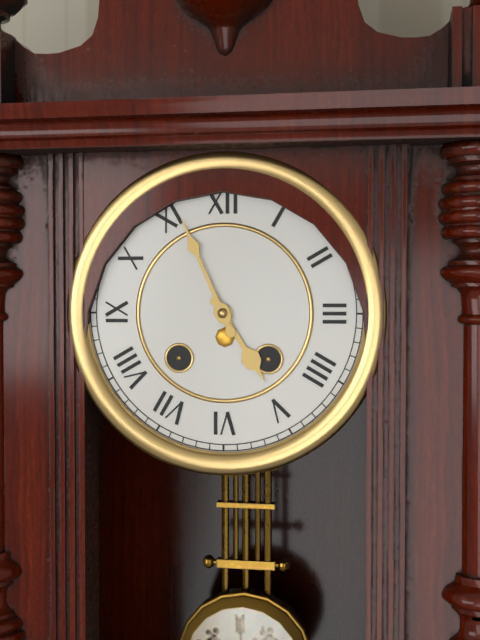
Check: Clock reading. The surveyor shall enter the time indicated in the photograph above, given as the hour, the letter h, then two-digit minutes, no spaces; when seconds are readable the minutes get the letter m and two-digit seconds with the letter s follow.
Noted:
4h56
